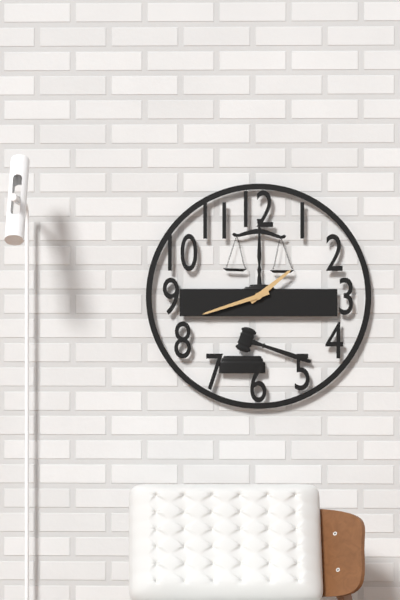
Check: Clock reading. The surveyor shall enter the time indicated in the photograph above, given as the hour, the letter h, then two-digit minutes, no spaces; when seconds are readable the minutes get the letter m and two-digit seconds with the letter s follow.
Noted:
1h42
